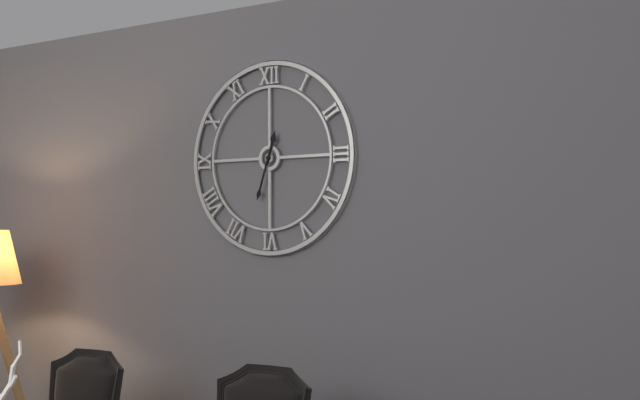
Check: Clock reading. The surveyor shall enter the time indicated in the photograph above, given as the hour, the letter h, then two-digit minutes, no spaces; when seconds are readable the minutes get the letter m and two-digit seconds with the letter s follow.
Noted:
12h33
